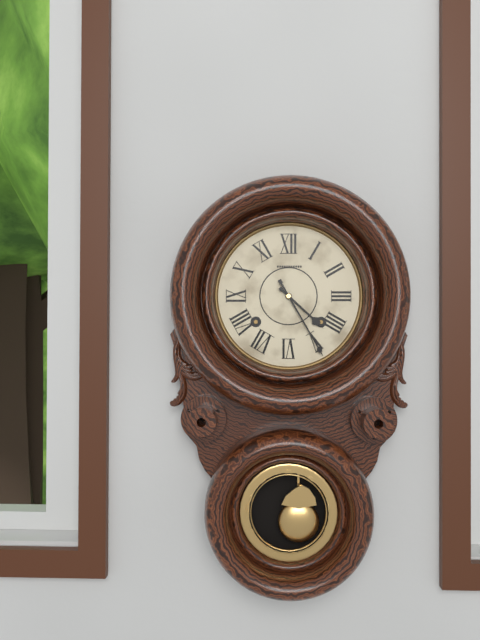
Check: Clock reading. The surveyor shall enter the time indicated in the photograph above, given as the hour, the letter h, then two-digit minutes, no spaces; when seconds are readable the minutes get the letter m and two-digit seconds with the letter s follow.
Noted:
4h25
